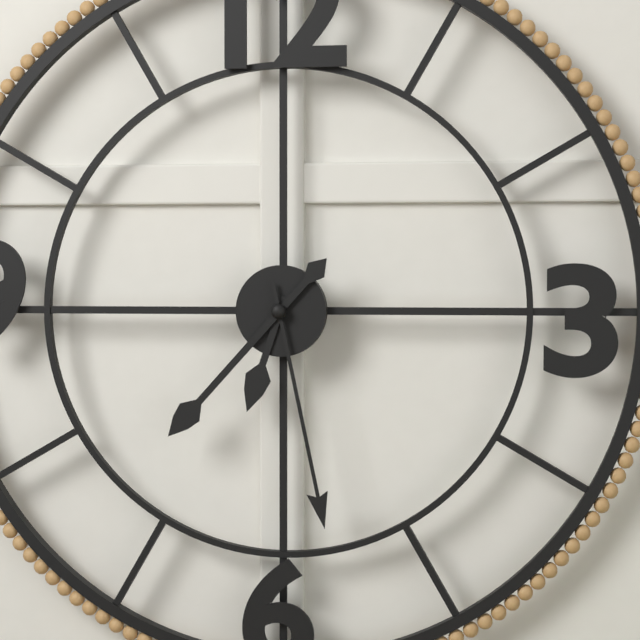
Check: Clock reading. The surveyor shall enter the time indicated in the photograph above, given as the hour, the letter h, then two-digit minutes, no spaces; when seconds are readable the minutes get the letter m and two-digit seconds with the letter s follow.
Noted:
6h37m28s
